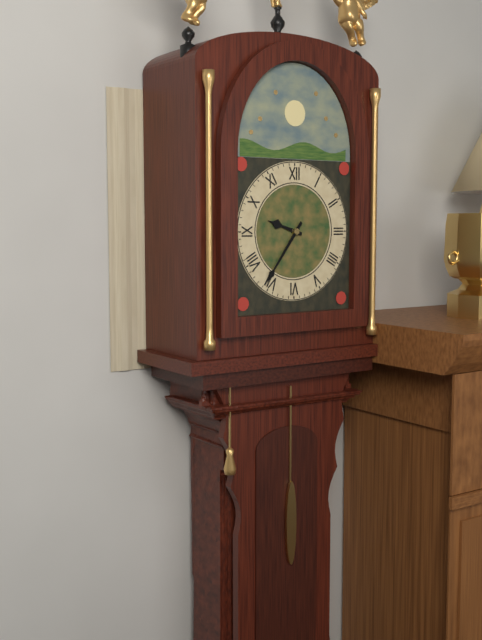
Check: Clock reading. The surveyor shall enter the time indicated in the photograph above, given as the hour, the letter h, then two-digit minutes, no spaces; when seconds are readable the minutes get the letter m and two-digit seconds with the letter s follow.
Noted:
9h36
